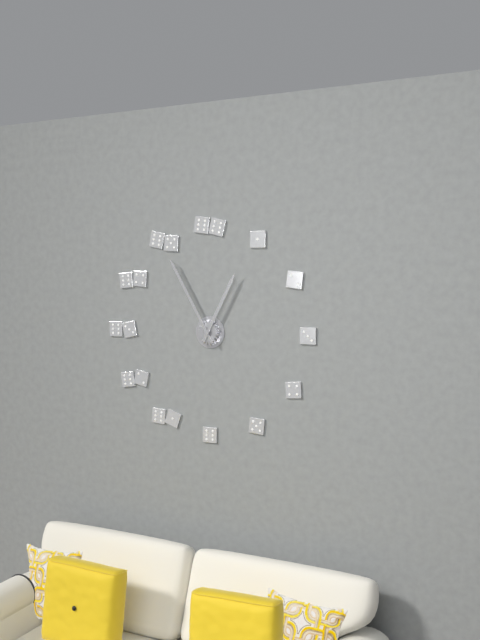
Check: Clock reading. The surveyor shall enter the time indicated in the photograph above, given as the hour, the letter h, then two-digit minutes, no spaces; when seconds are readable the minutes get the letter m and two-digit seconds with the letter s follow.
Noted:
12h55
